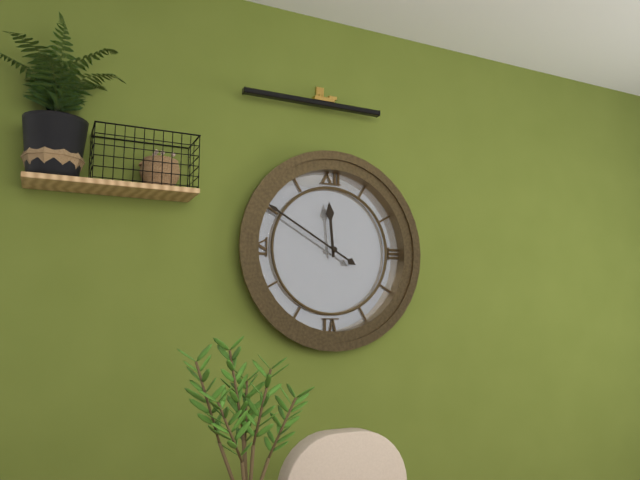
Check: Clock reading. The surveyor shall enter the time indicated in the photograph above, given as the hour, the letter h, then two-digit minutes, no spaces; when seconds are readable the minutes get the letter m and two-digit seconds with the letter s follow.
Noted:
11h50
